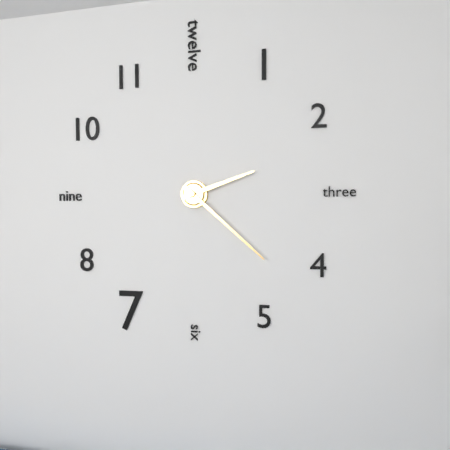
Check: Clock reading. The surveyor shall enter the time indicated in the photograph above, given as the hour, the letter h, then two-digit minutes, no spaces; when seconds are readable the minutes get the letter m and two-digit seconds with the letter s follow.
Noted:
2h22
